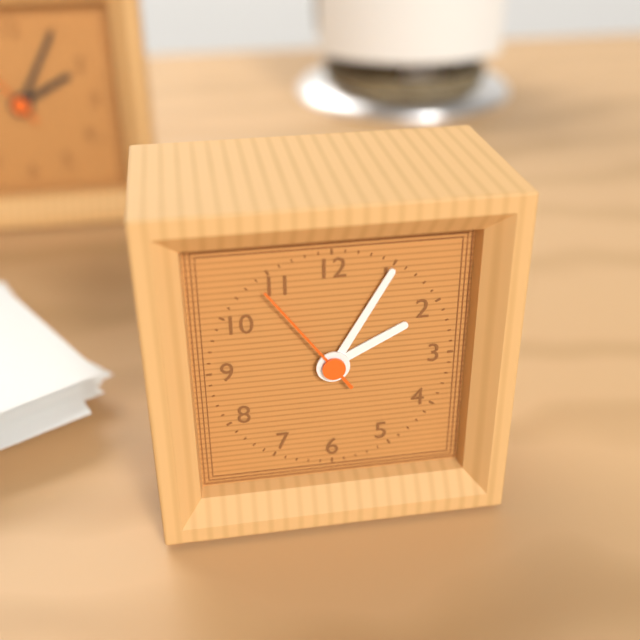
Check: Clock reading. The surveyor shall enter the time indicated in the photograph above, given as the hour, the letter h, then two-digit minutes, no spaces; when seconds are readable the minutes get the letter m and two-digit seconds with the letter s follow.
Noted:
2h05m54s
